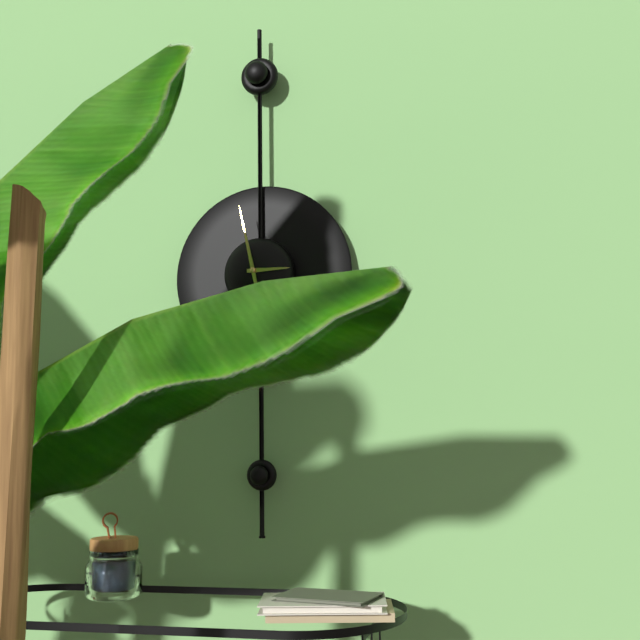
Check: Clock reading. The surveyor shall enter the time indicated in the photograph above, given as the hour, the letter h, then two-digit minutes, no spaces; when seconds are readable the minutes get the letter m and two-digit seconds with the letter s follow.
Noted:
2h58
